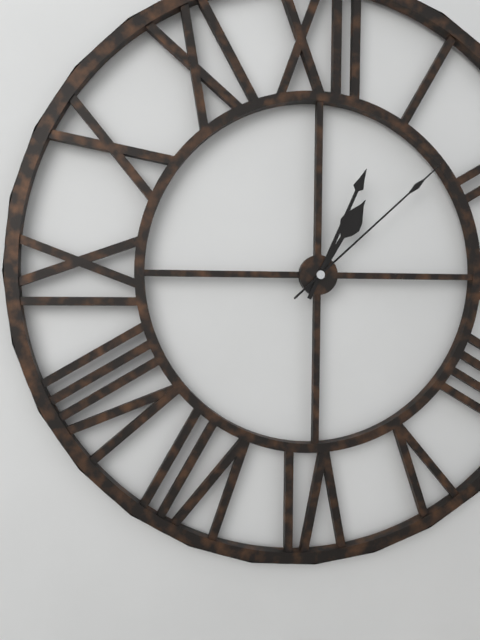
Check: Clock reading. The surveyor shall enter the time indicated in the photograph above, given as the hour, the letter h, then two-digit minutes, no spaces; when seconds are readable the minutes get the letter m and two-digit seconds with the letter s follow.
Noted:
1h04m08s
